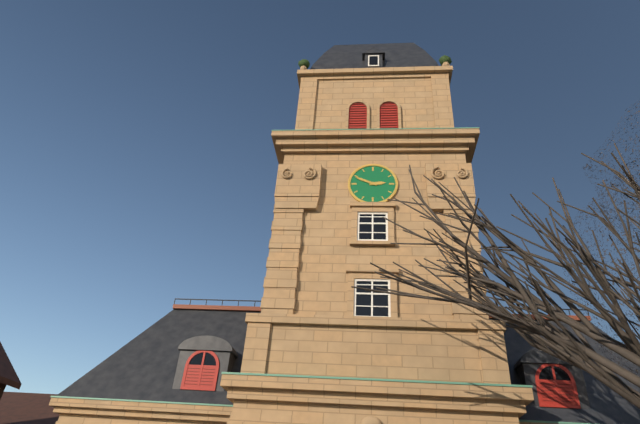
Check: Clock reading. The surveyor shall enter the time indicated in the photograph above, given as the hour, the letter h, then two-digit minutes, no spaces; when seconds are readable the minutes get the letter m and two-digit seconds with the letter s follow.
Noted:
2h49
